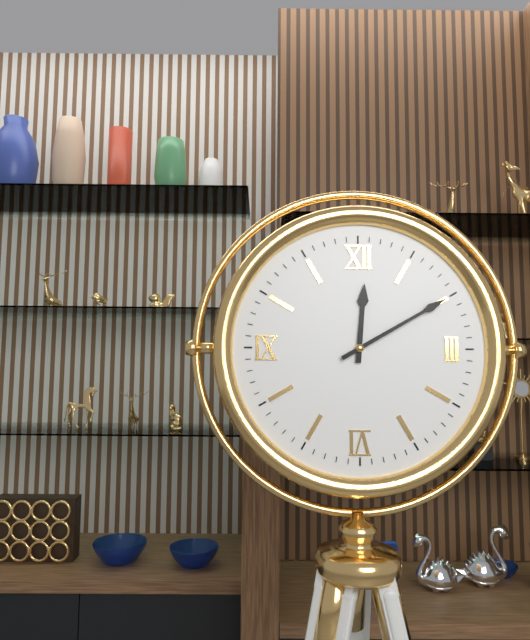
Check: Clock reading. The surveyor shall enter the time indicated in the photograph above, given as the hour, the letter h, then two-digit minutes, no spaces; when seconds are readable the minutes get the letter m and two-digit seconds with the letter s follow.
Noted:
12h10
